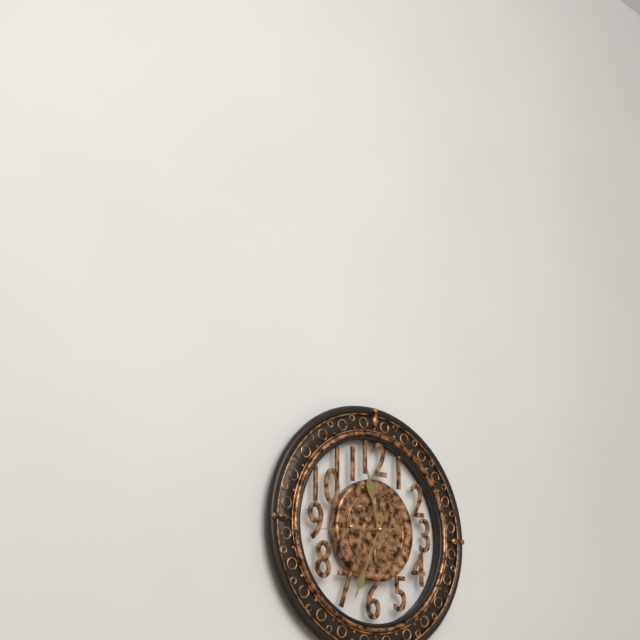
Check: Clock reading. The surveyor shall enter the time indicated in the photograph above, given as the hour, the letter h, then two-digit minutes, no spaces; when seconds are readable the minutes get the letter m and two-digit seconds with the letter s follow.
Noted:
11h34m44s
